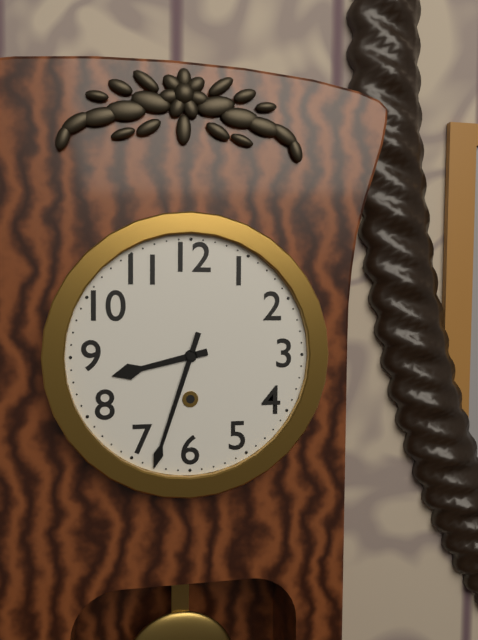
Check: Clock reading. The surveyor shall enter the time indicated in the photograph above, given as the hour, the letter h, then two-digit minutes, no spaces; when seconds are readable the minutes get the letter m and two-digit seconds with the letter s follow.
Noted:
8h33
